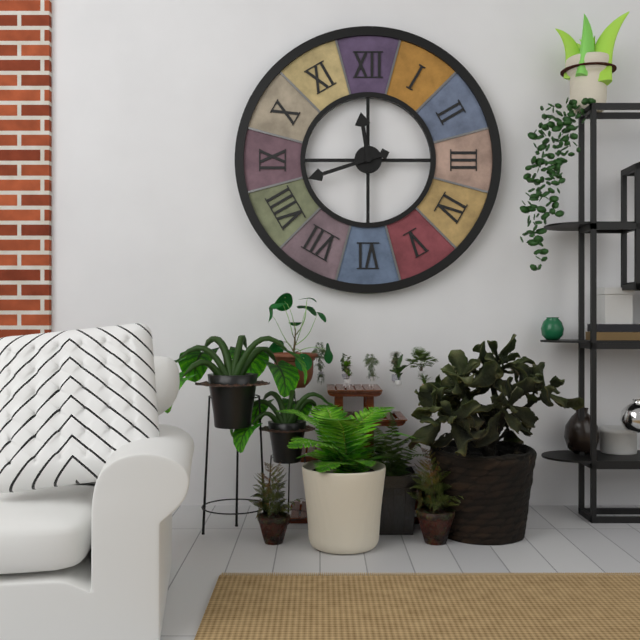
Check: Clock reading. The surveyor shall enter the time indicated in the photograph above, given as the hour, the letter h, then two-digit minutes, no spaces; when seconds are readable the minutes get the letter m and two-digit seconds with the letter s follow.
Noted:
11h42
